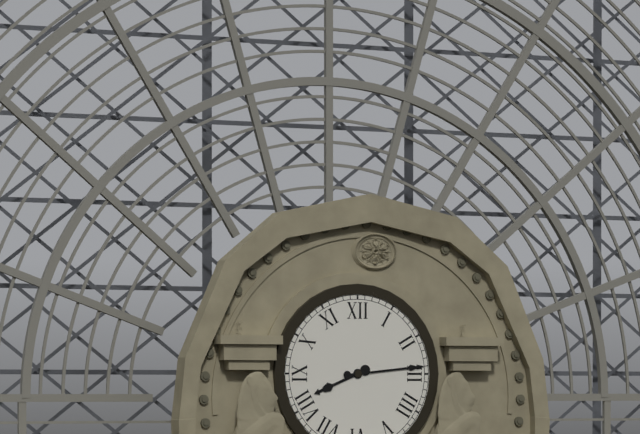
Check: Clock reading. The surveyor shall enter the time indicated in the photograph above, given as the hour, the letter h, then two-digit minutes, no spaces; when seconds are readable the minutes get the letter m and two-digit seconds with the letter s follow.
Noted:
8h14
